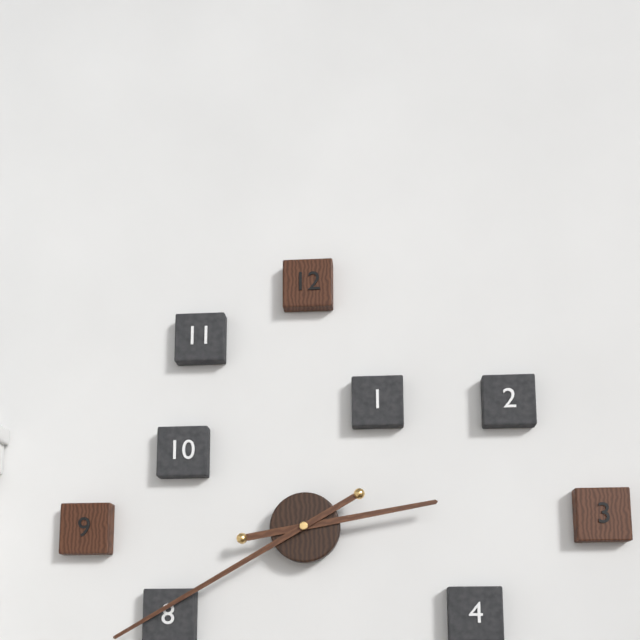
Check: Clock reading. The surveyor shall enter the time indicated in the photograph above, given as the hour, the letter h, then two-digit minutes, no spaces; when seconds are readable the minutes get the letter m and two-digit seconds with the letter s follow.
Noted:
2h40
